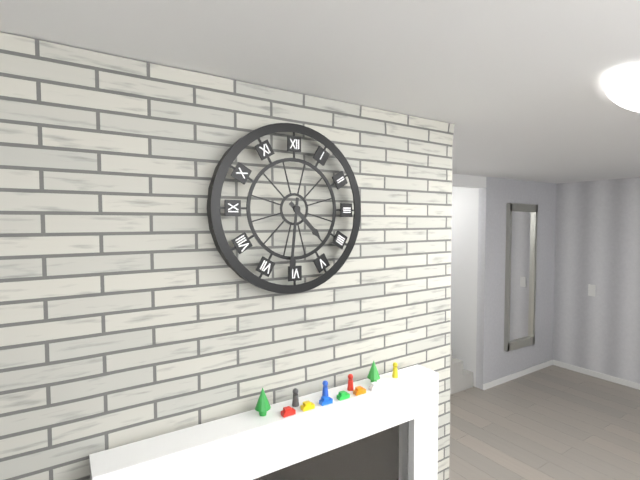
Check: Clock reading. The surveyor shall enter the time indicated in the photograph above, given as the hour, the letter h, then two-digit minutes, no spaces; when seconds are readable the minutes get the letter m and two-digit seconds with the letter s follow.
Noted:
4h31
